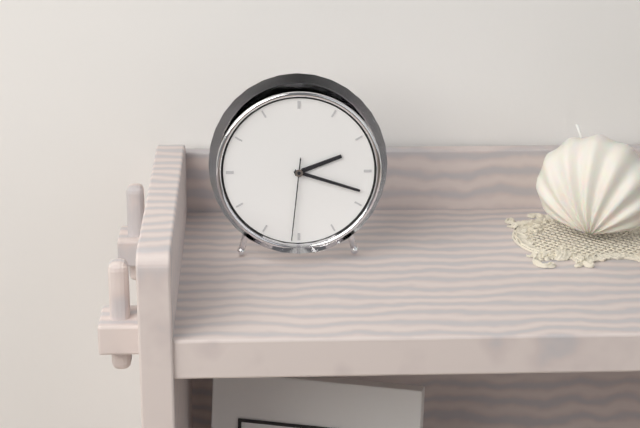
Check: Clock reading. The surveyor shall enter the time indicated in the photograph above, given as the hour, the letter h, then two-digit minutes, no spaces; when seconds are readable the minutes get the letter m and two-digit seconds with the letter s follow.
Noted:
2h18m31s
